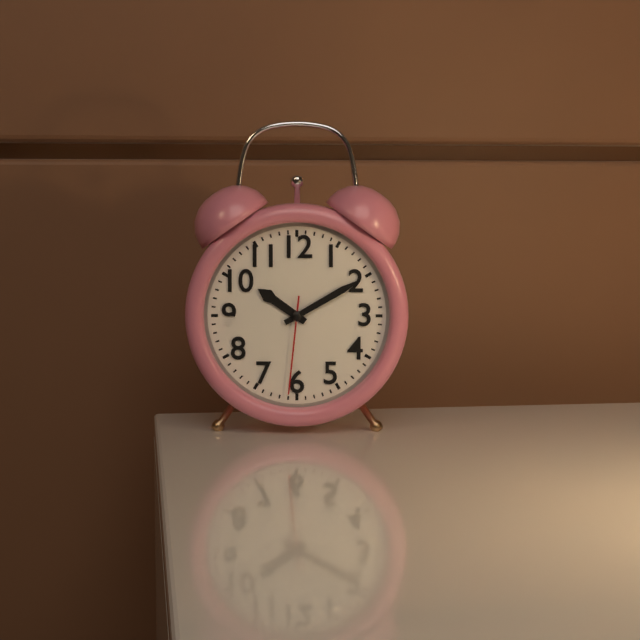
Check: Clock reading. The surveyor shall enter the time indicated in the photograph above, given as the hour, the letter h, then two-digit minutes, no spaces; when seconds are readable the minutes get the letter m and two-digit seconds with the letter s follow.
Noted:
10h10m31s
